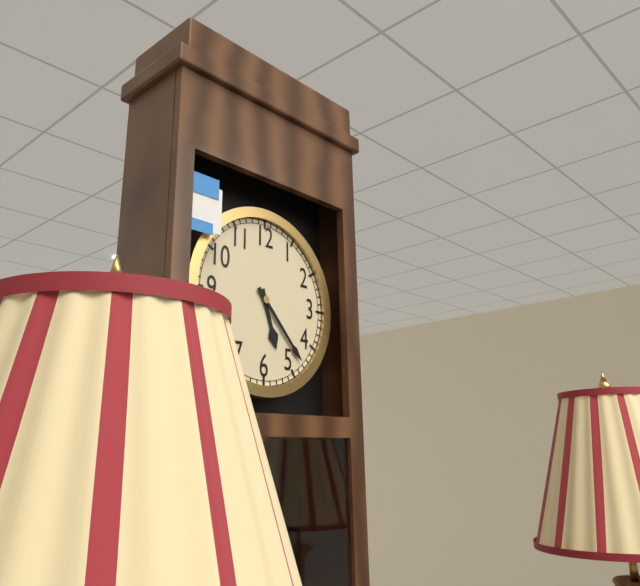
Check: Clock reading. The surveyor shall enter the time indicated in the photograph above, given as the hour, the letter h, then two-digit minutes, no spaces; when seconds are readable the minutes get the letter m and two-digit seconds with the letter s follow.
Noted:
5h23
